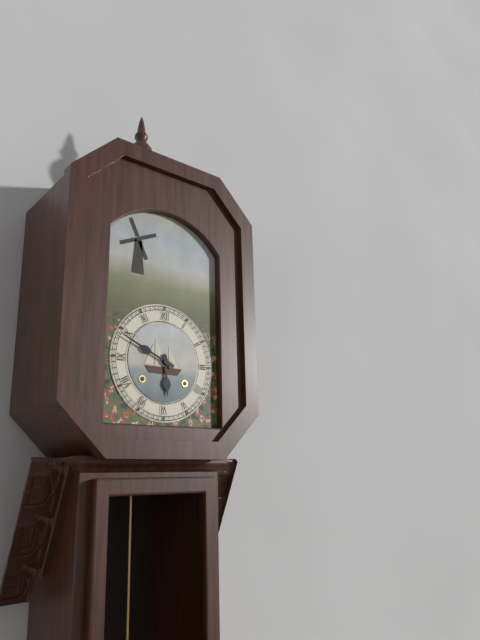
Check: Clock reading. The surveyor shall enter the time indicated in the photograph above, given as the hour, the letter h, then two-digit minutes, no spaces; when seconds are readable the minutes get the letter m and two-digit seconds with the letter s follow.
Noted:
5h49
